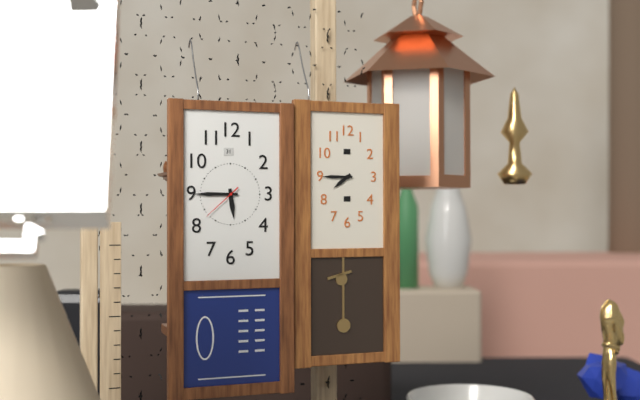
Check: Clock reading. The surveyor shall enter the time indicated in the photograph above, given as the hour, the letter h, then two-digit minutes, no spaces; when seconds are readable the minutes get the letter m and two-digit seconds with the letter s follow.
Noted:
5h45
